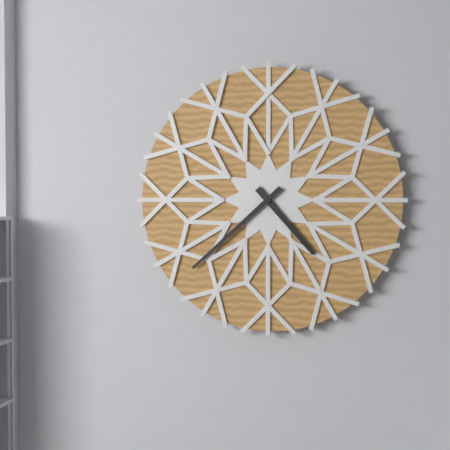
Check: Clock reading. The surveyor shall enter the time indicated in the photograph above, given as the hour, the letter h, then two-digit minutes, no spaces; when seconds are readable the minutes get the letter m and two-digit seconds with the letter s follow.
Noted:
4h38
